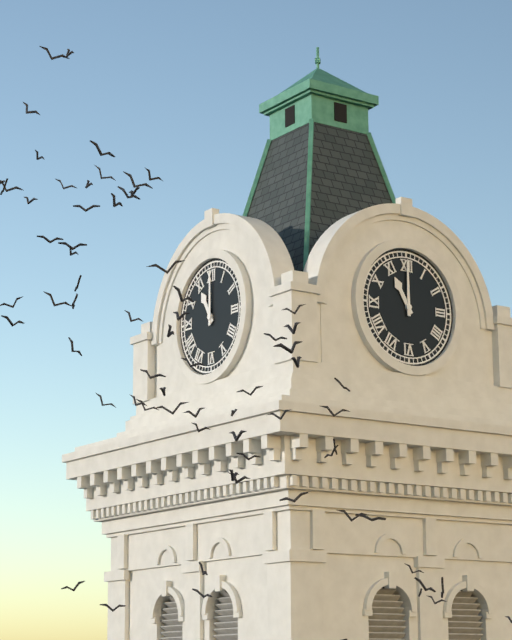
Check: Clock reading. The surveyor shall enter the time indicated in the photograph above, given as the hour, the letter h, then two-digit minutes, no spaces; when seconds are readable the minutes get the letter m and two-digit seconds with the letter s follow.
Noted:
11h00
